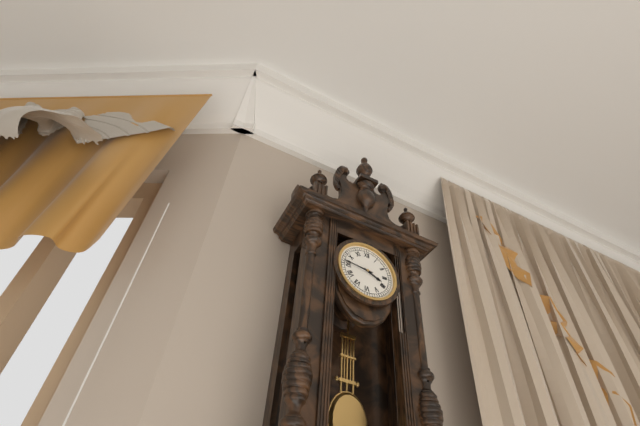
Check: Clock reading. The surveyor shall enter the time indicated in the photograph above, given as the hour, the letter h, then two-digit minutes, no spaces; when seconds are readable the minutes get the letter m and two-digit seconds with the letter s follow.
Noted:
3h46
